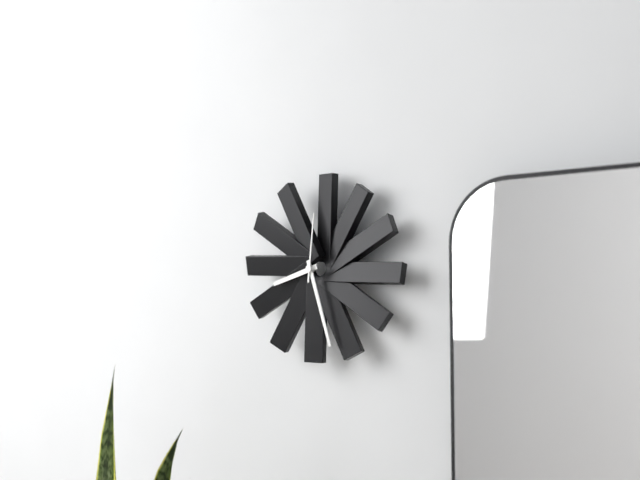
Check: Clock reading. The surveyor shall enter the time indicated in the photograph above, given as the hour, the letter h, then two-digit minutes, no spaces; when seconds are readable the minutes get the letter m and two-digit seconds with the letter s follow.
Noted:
8h27m01s
